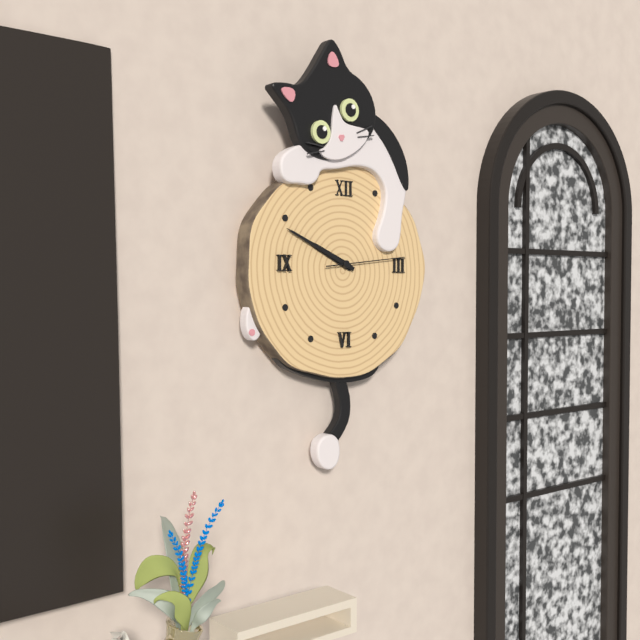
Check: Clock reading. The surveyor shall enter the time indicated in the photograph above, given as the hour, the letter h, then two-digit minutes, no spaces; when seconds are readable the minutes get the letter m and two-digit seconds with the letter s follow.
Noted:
9h49m14s
